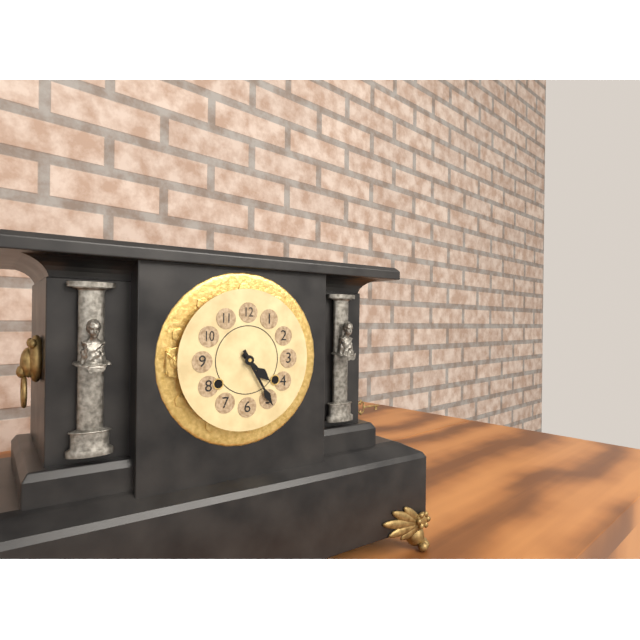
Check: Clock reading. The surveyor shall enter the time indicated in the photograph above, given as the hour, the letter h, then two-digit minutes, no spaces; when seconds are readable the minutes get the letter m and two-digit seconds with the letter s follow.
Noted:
4h25
